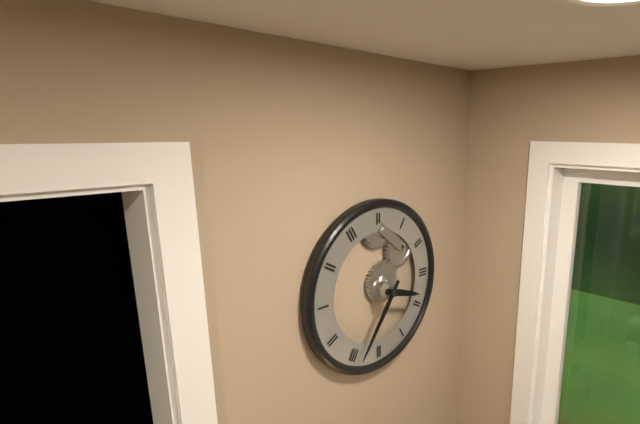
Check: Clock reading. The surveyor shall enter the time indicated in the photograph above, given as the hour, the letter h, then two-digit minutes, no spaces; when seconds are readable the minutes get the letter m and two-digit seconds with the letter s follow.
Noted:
3h36
